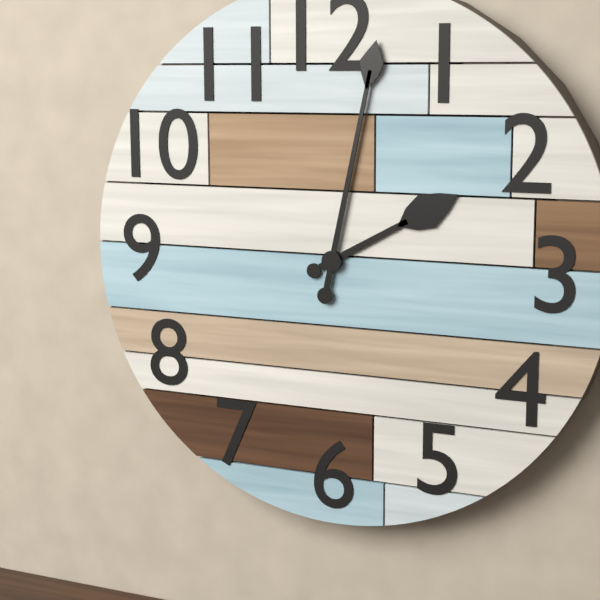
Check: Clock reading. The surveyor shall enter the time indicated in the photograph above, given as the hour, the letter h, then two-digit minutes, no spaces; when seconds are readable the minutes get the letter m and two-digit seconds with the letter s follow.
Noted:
2h02
